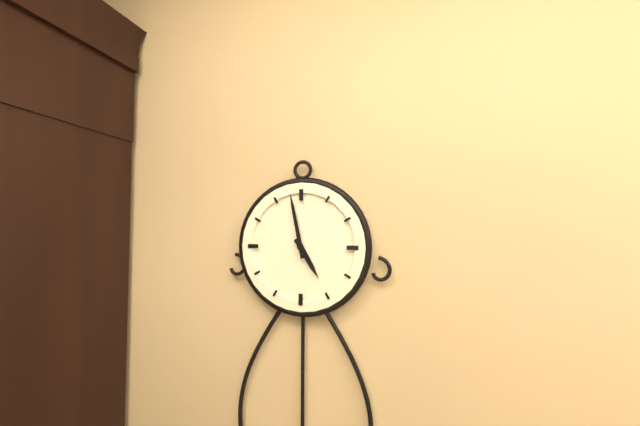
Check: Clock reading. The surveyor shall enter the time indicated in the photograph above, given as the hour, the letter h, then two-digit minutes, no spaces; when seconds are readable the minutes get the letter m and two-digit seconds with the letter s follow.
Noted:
4h58
